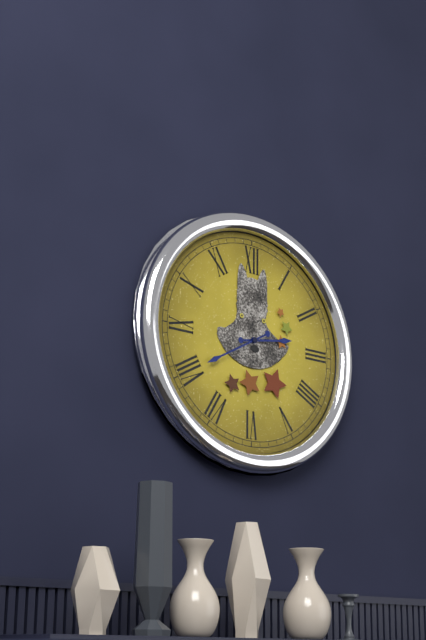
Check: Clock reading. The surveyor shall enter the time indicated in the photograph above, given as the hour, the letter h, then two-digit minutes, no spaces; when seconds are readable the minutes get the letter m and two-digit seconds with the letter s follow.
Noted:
2h40
